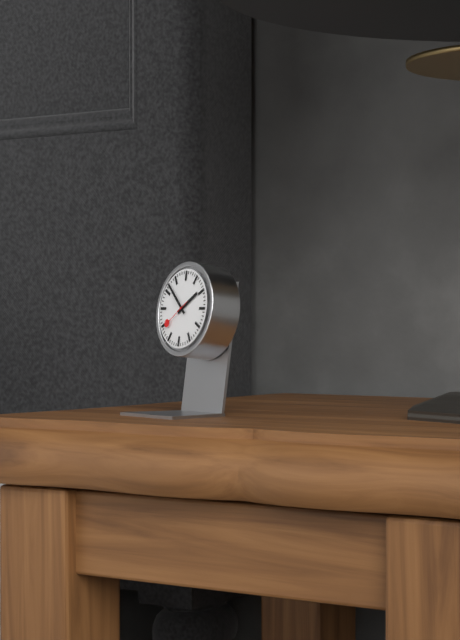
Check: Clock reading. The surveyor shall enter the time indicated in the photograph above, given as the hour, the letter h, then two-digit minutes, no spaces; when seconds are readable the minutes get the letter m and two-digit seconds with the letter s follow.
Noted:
1h52
